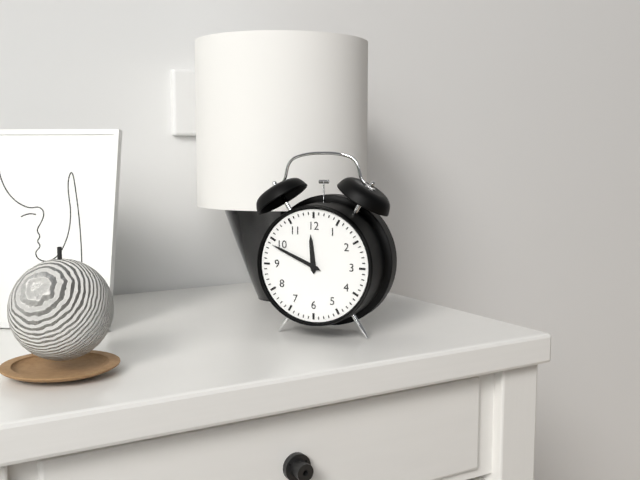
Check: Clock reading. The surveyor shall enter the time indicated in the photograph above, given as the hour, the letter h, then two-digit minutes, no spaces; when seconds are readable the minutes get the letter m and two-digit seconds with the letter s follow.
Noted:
11h49
